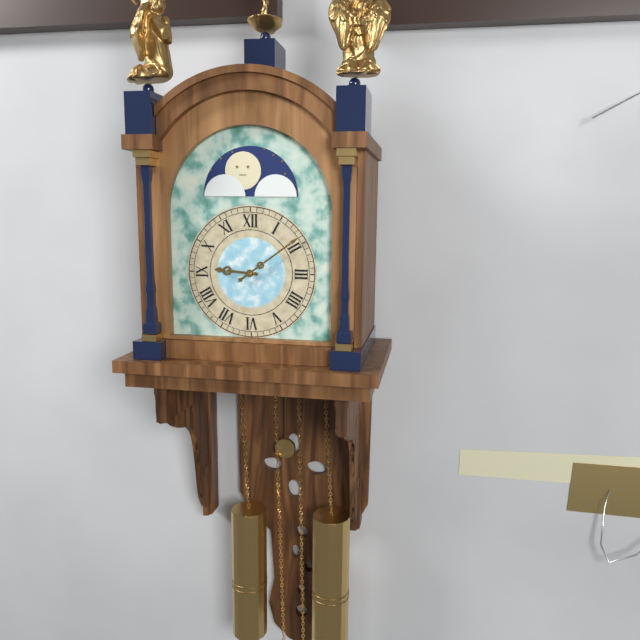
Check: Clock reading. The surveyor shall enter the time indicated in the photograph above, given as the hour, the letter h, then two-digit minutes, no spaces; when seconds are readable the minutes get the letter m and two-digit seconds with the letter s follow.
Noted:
9h09
